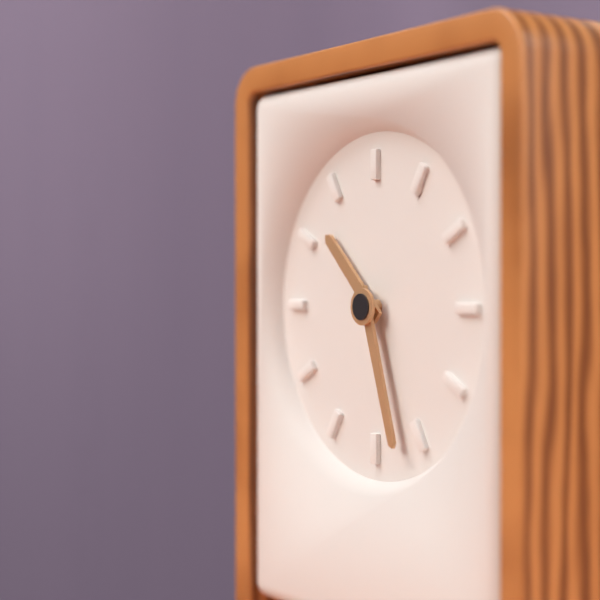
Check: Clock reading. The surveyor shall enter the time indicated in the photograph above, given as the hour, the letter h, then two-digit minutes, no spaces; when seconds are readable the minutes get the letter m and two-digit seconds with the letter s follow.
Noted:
10h27
